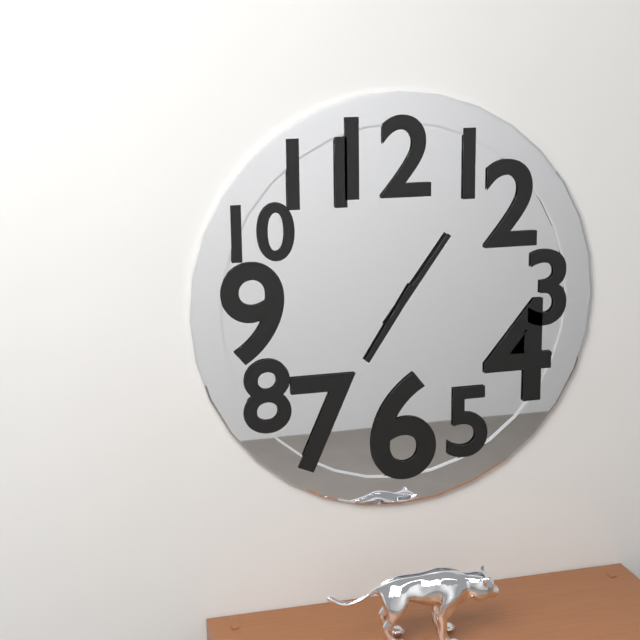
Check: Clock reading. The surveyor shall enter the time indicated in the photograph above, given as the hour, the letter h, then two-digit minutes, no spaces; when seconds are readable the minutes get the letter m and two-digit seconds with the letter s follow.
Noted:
7h06
